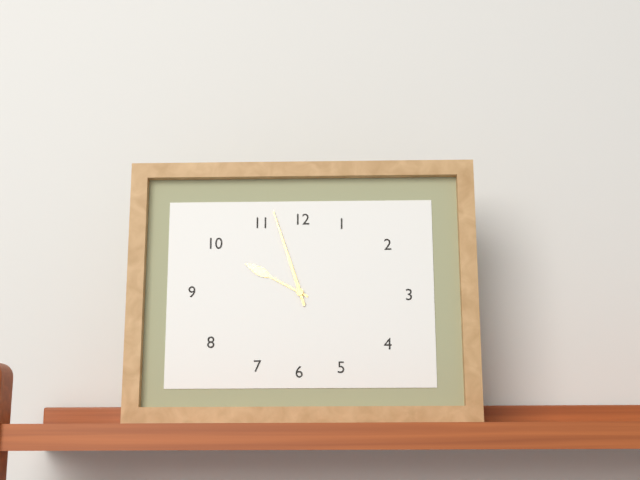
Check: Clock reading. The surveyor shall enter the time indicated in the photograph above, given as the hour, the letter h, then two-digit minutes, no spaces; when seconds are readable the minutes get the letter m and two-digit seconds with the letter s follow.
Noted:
9h57
